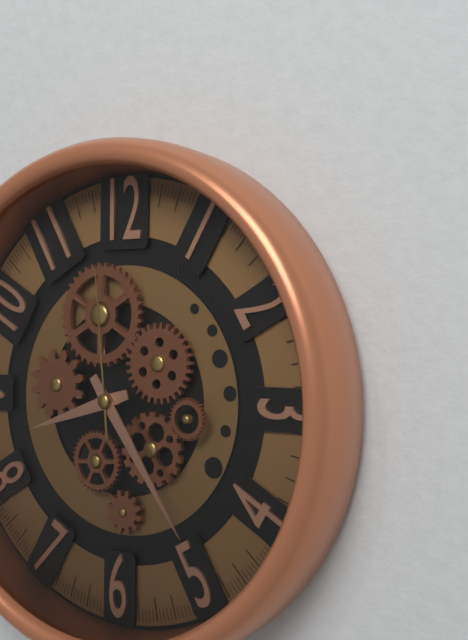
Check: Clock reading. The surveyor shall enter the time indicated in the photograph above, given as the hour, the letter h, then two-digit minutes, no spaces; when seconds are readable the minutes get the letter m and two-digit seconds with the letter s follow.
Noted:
8h24m59s
